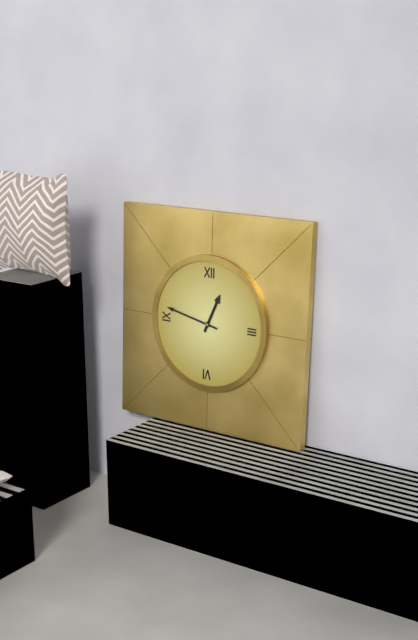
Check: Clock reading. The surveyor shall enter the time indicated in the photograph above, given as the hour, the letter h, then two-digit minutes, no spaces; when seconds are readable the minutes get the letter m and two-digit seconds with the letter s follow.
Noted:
12h47
